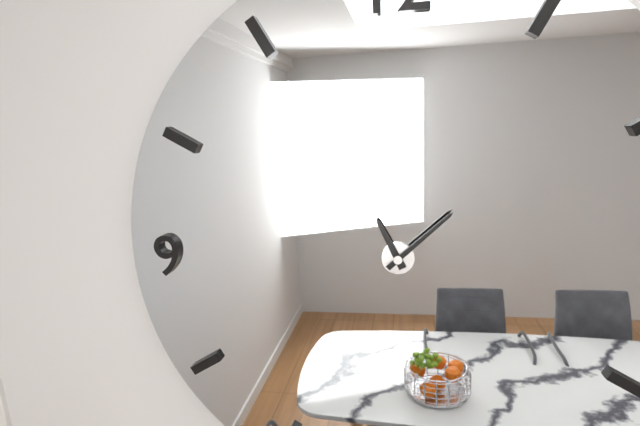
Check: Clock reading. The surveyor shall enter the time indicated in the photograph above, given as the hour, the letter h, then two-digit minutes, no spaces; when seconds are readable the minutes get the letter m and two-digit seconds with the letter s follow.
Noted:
11h08
